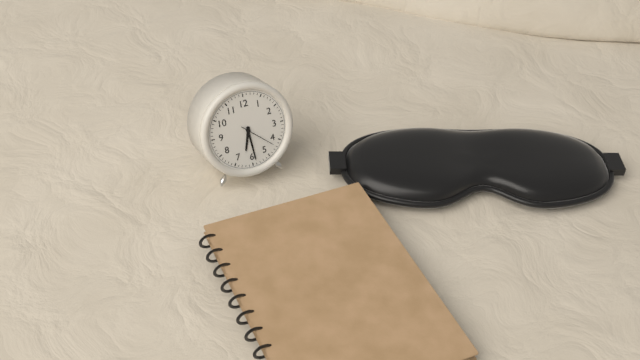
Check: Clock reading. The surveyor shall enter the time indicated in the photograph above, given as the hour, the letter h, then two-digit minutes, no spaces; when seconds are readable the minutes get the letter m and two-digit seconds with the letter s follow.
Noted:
6h29
